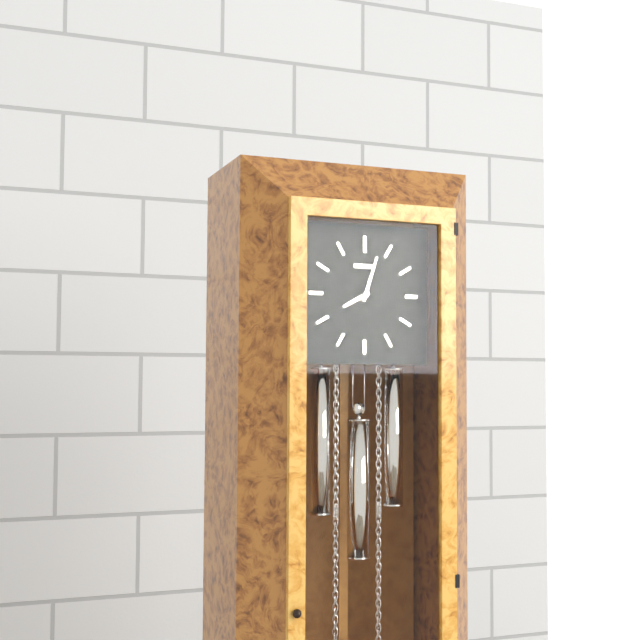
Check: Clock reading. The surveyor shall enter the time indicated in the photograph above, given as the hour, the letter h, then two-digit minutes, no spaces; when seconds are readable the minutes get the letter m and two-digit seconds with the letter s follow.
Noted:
8h03
